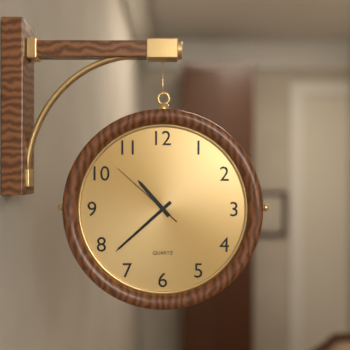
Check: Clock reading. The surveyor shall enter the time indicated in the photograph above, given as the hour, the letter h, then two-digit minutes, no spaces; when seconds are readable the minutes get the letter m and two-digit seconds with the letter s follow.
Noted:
10h38m52s
